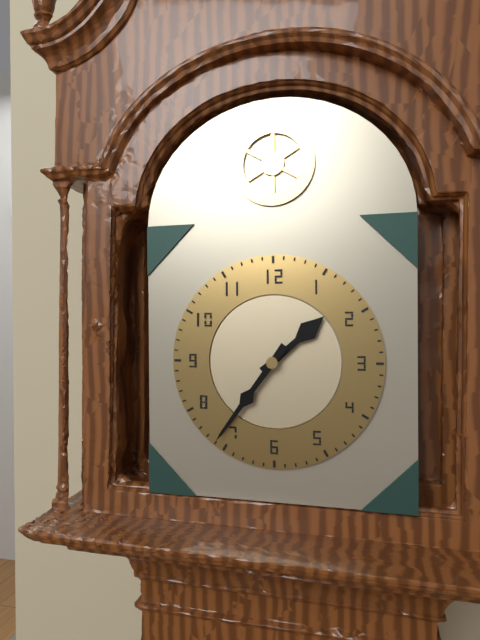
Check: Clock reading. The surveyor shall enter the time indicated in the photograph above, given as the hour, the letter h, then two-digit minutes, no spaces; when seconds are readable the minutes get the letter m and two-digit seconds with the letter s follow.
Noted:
1h36
